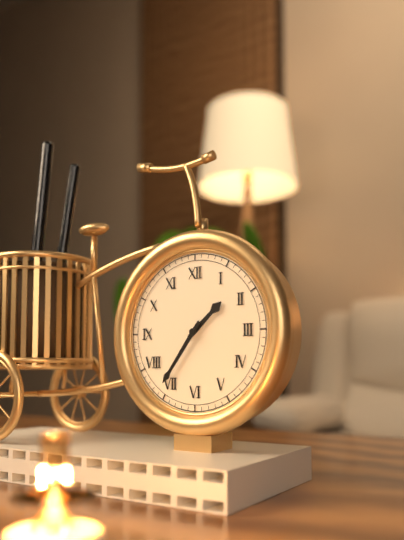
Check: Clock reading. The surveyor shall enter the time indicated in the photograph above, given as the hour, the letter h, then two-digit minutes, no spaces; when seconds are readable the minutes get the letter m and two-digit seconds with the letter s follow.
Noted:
1h36
